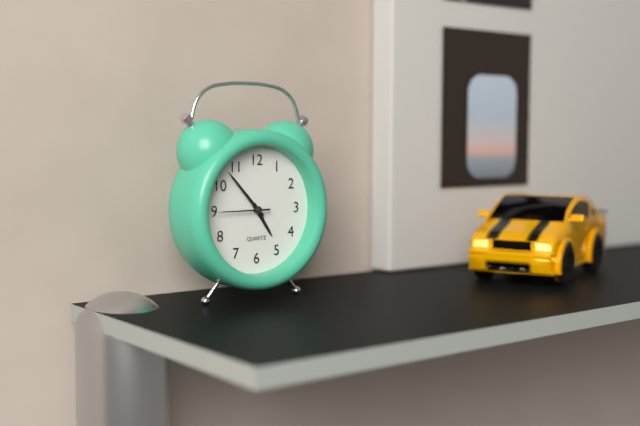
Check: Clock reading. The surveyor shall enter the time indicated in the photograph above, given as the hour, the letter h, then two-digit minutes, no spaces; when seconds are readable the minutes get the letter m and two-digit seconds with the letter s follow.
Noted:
4h53m45s
